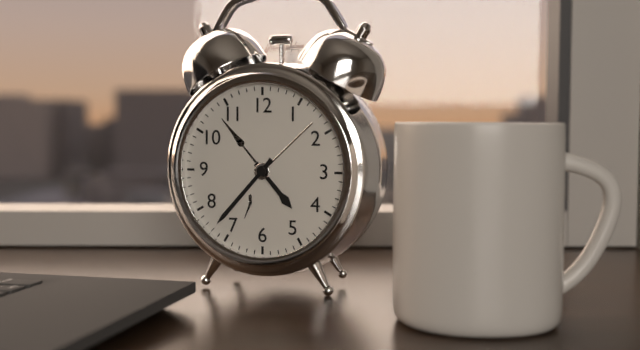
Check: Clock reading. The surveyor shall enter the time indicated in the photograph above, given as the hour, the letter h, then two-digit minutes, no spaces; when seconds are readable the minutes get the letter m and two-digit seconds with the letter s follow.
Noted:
4h37
